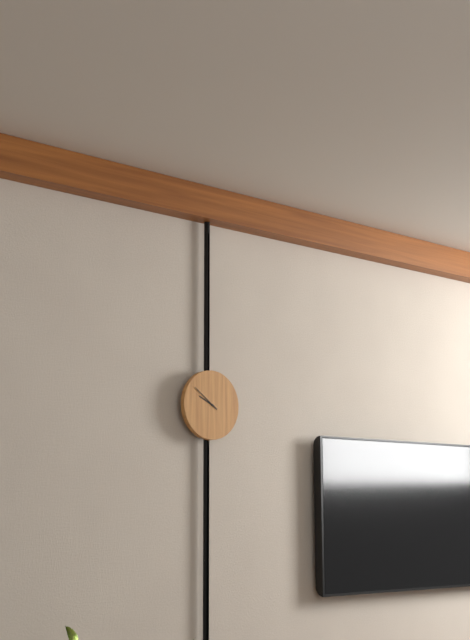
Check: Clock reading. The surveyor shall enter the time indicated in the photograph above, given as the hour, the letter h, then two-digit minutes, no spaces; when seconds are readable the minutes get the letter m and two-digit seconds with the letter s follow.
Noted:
9h51
